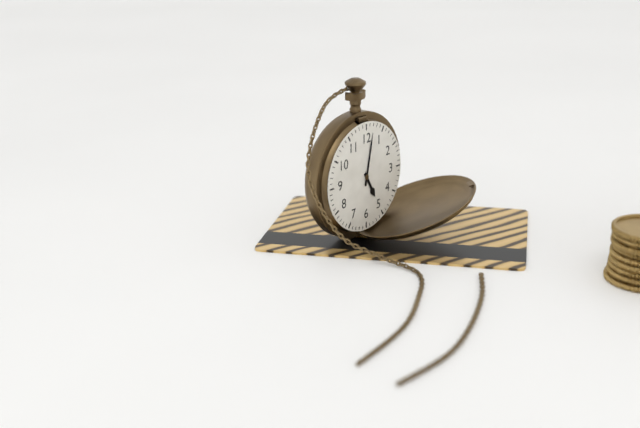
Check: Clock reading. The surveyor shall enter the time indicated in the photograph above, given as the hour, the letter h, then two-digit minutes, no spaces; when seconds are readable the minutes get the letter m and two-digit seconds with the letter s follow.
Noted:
5h02
